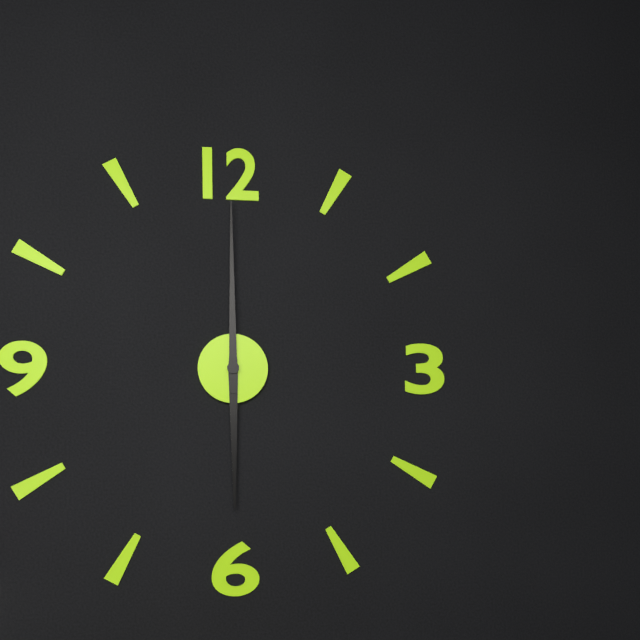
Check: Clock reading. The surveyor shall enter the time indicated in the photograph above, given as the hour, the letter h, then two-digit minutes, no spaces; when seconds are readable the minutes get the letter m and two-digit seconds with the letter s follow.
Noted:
6h00
